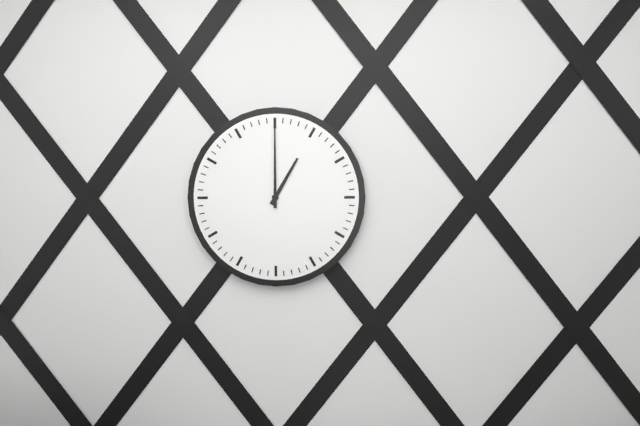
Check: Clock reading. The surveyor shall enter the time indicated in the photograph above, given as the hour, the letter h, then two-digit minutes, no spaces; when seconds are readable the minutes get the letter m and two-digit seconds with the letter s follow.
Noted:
1h00
